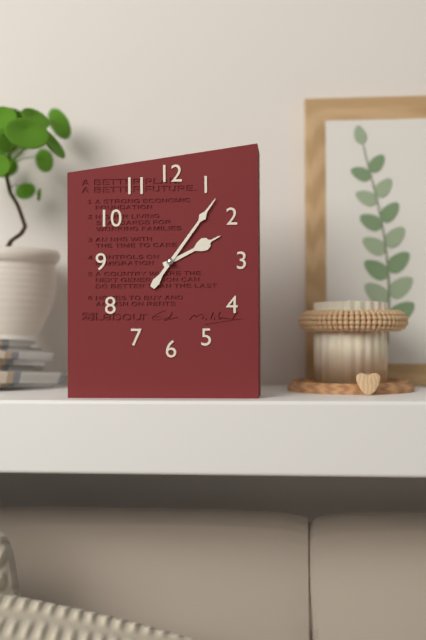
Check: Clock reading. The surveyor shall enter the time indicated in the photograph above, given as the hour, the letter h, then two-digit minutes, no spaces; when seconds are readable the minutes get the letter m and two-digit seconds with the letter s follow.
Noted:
2h06
